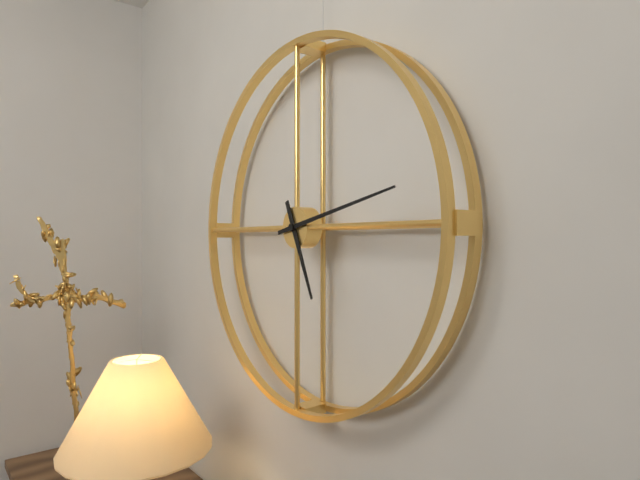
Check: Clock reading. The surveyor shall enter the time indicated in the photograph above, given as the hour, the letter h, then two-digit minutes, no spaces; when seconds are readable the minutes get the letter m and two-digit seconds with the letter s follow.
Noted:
5h13
